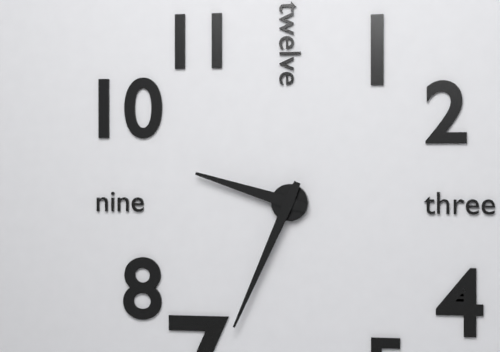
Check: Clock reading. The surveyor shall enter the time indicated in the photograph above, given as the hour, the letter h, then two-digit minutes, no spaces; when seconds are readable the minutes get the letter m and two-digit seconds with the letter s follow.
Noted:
9h34
